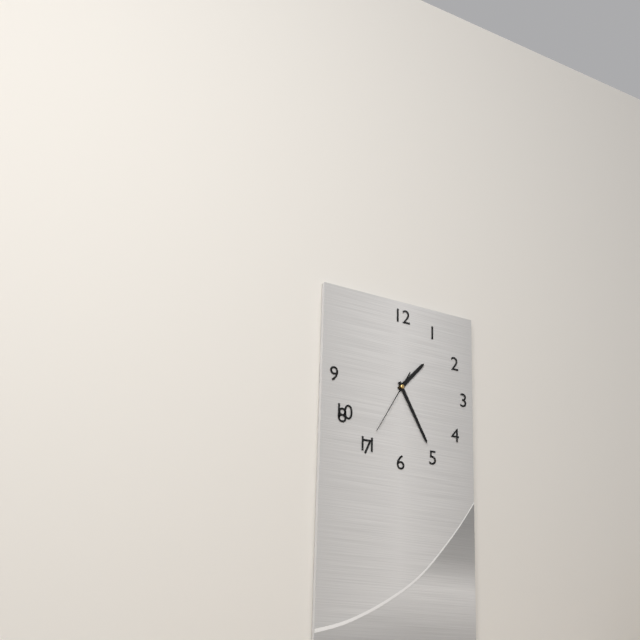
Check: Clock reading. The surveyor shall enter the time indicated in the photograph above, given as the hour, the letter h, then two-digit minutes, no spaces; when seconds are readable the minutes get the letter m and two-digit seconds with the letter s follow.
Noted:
1h25m35s
